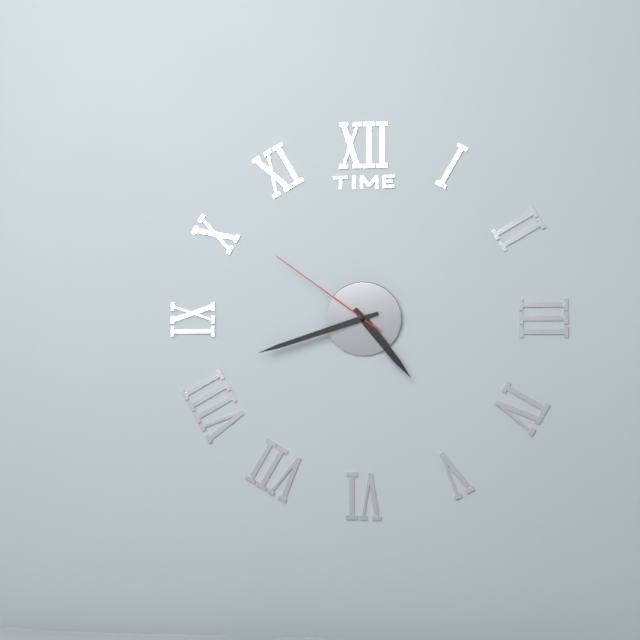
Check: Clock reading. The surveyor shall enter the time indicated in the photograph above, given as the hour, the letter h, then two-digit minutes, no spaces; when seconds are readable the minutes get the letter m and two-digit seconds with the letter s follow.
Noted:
4h42m51s
